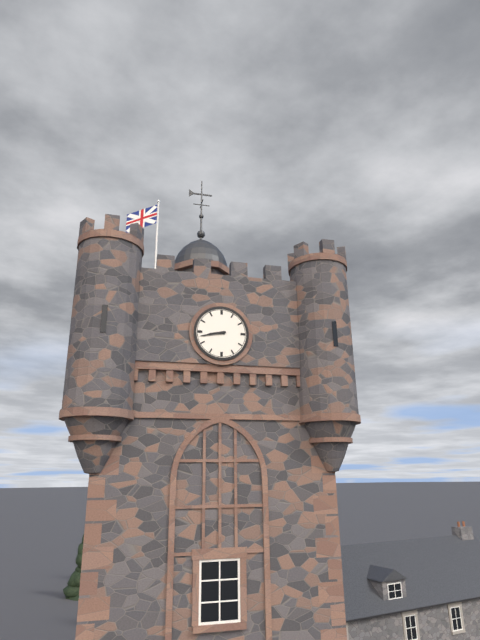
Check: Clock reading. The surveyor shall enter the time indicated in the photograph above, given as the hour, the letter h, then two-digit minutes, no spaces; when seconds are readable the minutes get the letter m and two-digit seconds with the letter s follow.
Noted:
8h43
